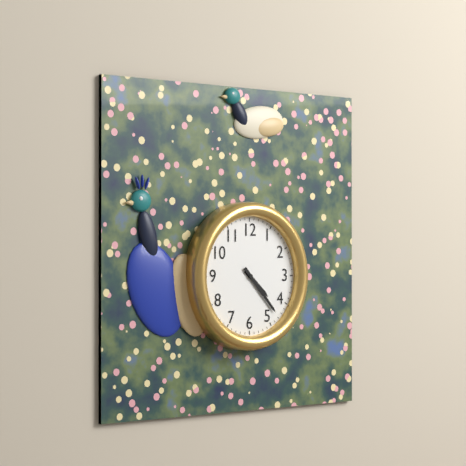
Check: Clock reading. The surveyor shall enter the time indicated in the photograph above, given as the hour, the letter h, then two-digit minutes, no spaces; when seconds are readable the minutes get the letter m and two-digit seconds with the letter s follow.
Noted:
4h23
